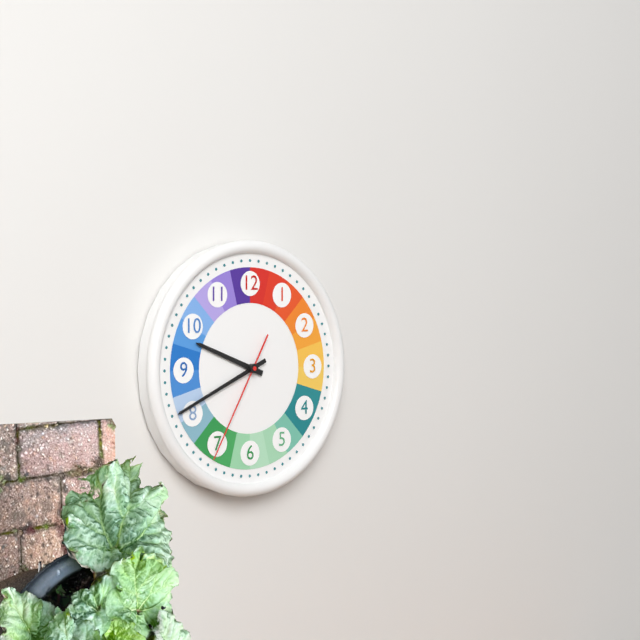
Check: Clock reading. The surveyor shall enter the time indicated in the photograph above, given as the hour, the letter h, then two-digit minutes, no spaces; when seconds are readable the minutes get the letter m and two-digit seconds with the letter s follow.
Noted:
9h41m35s
